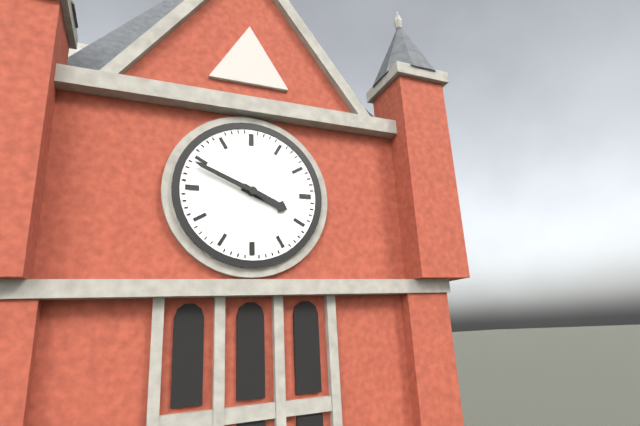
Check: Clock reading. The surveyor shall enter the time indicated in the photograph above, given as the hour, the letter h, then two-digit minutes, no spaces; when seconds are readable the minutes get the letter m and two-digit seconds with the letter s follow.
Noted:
3h49
